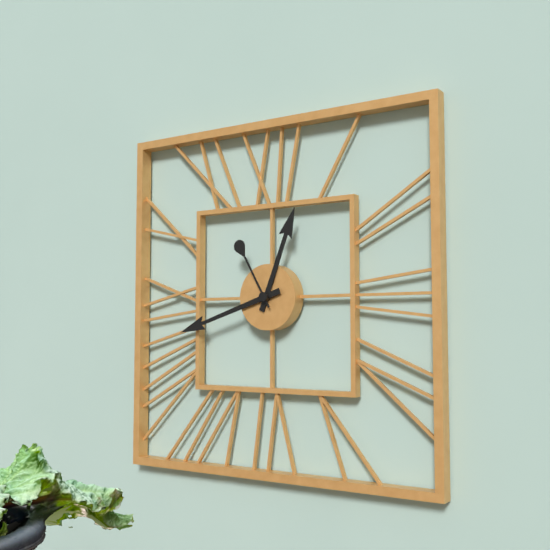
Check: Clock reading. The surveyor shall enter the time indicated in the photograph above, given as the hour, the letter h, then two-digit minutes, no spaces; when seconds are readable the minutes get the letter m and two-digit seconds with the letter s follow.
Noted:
12h42m55s
